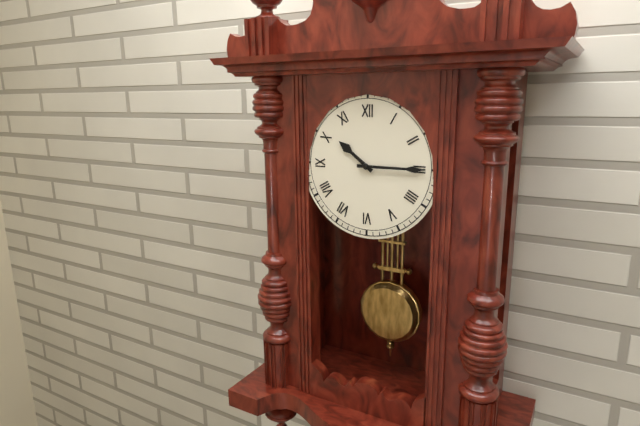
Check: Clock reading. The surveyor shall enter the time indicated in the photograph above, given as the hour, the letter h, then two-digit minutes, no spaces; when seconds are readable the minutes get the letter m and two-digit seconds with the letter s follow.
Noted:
10h15
